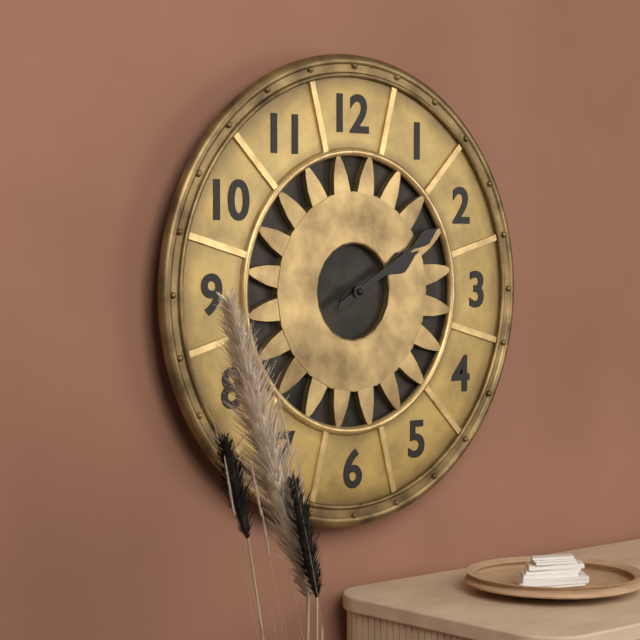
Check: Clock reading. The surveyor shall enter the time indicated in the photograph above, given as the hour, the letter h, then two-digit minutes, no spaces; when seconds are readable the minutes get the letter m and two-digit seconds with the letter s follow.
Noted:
2h10
